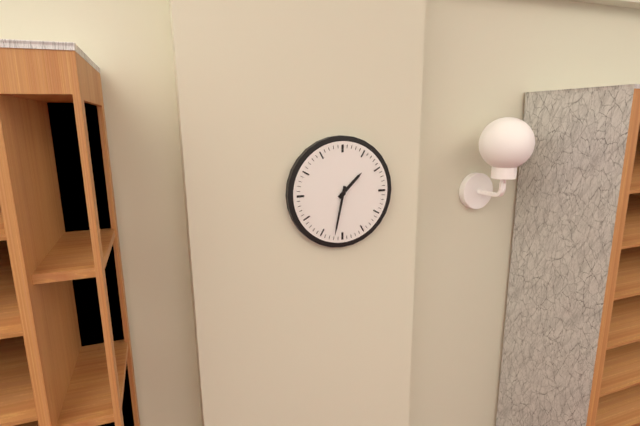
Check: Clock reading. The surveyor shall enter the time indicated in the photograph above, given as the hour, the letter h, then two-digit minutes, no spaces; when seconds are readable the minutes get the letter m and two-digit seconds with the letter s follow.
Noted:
1h32
